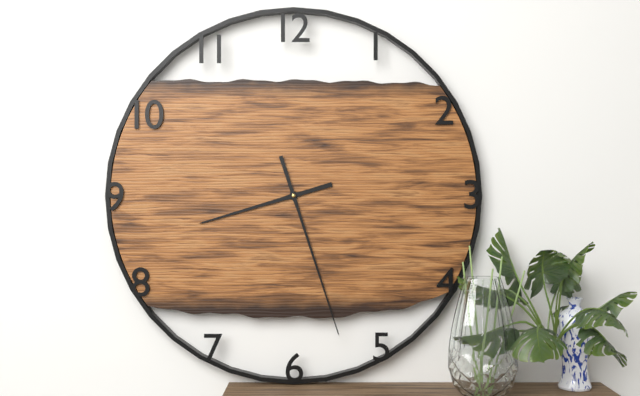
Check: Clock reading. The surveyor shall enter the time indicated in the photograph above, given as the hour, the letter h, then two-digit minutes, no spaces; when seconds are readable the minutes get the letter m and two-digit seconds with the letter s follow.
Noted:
8h27
